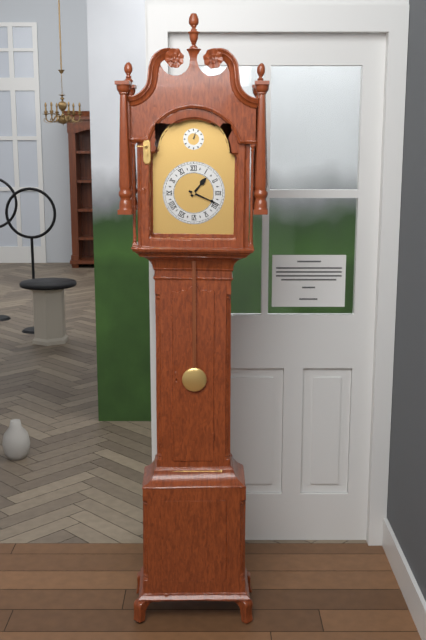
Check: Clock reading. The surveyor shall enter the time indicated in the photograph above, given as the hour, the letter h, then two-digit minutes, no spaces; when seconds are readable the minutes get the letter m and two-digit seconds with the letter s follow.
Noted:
1h19
